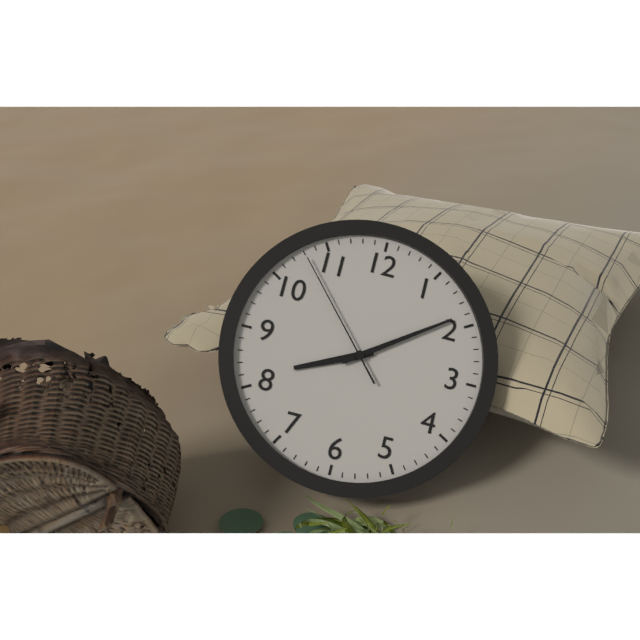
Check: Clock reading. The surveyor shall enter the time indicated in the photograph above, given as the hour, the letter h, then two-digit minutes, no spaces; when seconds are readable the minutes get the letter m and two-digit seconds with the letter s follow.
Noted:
8h09m53s
